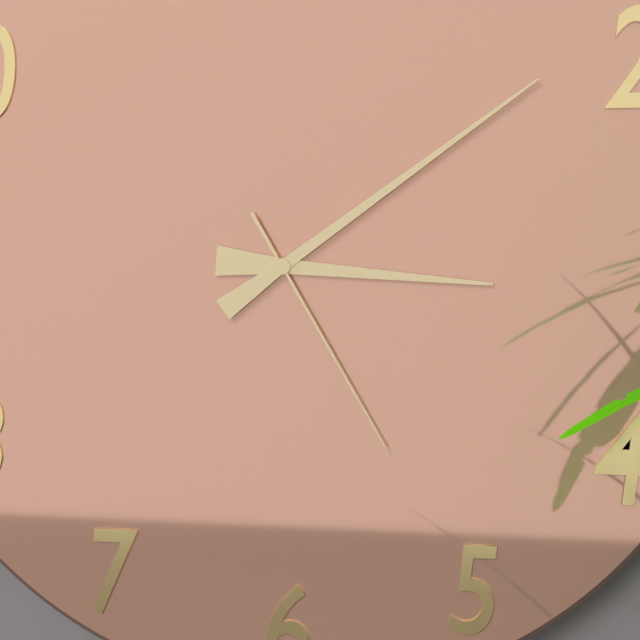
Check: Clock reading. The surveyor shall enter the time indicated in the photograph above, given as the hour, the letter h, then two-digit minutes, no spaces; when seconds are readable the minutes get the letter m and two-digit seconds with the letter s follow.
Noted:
3h09m25s
